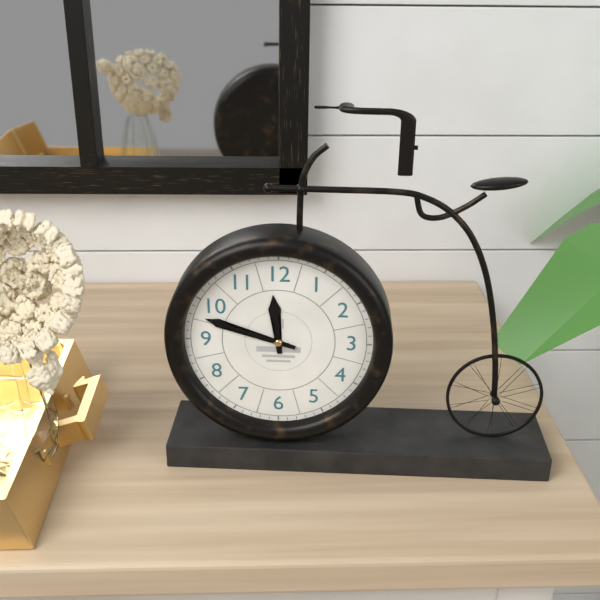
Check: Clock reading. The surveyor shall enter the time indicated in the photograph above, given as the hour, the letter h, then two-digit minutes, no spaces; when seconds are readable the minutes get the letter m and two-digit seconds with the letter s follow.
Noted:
11h48
